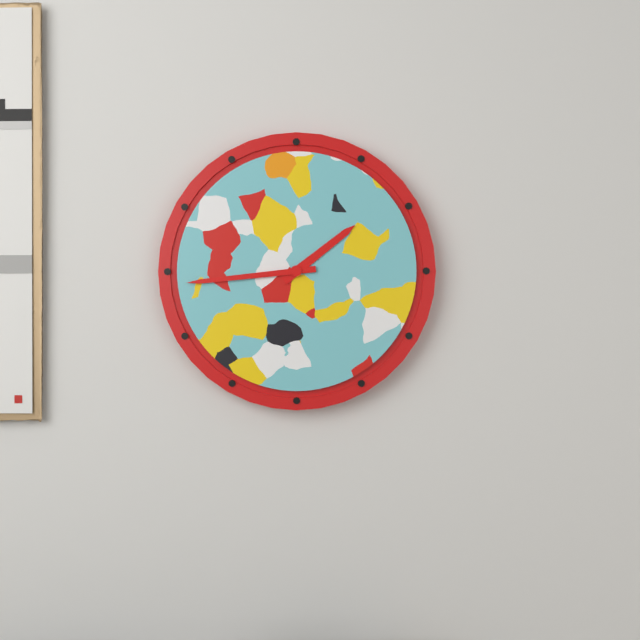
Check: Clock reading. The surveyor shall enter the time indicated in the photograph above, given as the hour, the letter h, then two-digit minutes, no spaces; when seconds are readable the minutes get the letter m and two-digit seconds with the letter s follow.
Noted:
1h44
